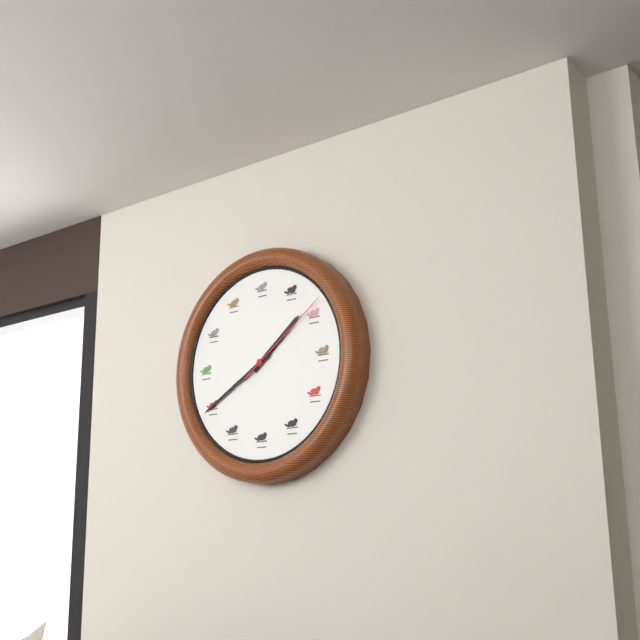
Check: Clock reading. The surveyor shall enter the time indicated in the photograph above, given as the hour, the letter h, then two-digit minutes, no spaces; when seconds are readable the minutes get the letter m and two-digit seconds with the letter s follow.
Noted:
1h40m09s
